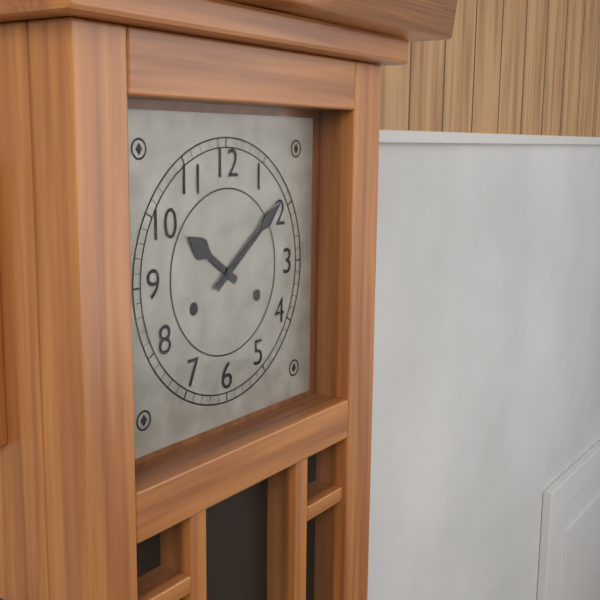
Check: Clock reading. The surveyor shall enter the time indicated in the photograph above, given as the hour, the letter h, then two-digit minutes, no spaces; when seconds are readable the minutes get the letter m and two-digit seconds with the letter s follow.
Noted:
10h09
